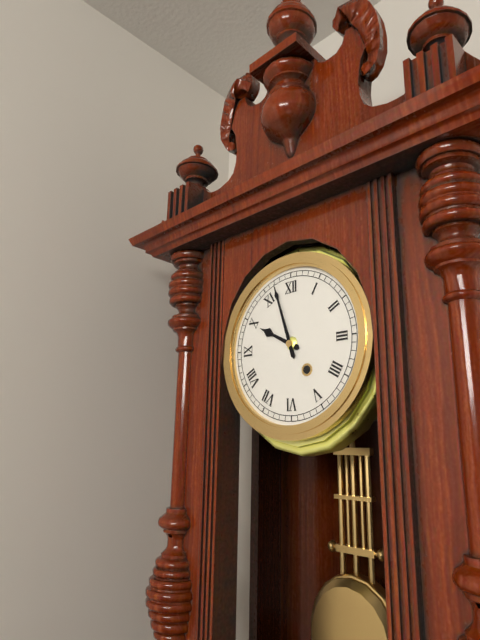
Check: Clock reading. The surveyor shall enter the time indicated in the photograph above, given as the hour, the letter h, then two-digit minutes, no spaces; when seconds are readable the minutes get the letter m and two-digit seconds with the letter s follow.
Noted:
9h57
